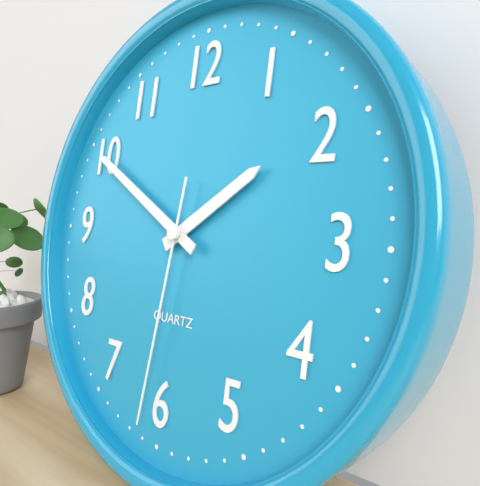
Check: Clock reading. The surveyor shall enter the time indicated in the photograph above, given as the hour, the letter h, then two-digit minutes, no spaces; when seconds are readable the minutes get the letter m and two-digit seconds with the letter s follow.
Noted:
1h50m31s
